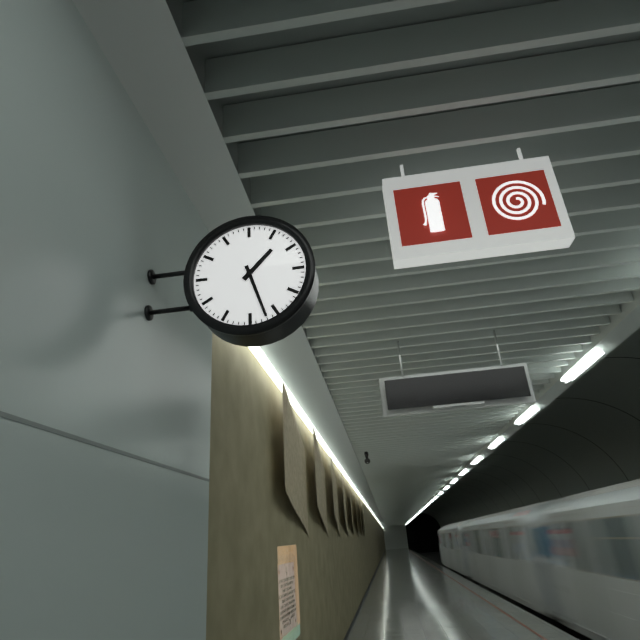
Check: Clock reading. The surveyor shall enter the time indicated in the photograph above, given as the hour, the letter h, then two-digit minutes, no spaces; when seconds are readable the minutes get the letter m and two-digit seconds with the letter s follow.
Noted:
1h27
